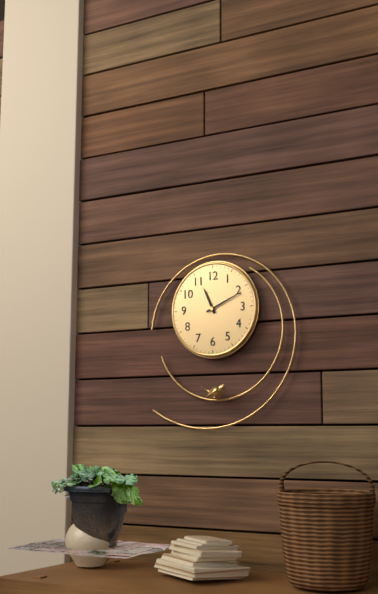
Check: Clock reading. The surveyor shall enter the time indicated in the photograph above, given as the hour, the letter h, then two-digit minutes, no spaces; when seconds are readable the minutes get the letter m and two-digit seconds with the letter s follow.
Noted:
11h11
